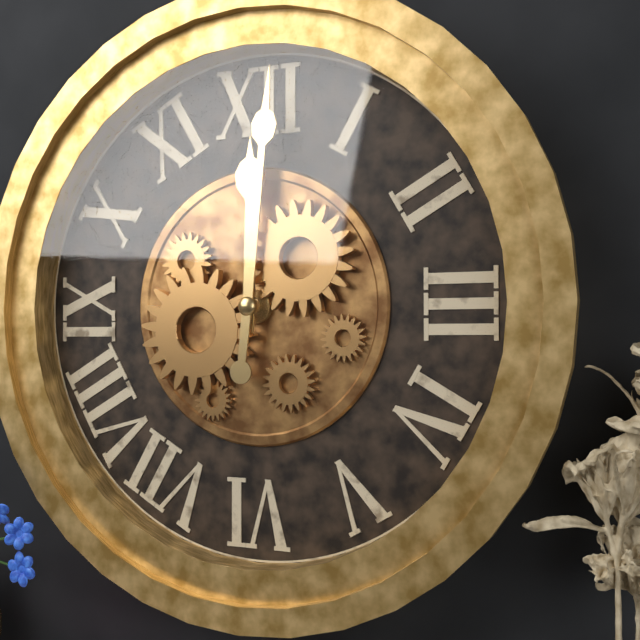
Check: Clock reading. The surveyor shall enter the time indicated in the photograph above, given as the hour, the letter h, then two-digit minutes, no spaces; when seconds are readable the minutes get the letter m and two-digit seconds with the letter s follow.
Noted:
12h01
